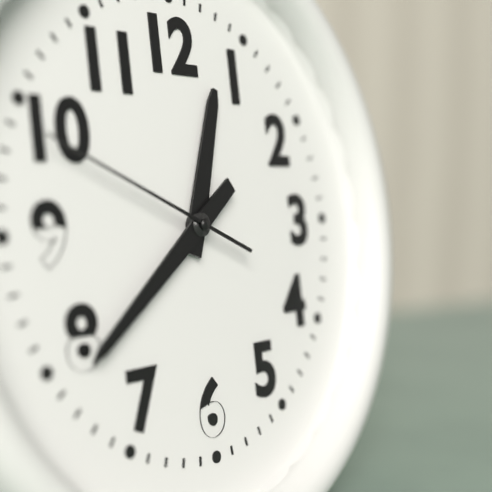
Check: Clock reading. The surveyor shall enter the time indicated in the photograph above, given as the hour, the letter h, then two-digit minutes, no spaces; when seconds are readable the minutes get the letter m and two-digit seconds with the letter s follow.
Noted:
12h39m49s
